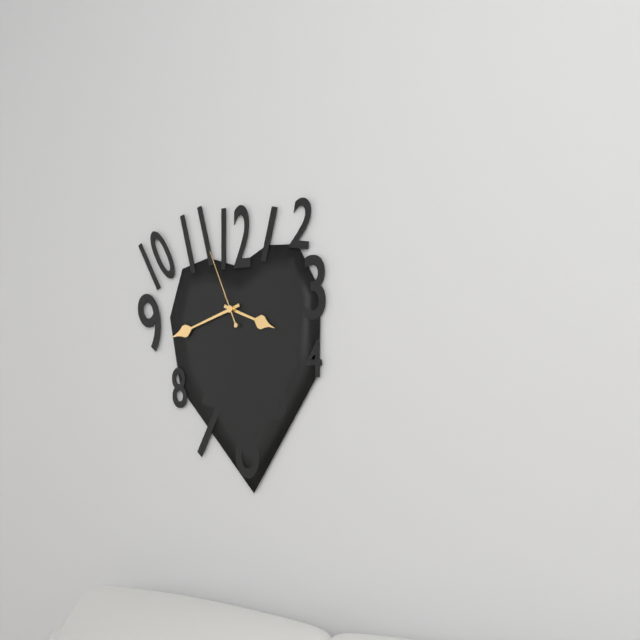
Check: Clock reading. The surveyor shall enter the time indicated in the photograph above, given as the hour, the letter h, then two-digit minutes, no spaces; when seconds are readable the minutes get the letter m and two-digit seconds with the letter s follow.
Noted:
3h42m56s
